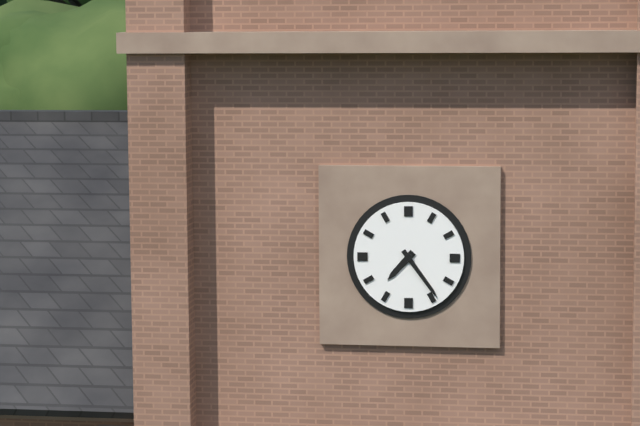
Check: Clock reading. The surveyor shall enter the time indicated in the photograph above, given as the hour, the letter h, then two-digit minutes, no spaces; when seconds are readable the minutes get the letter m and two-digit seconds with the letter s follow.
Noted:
7h24
